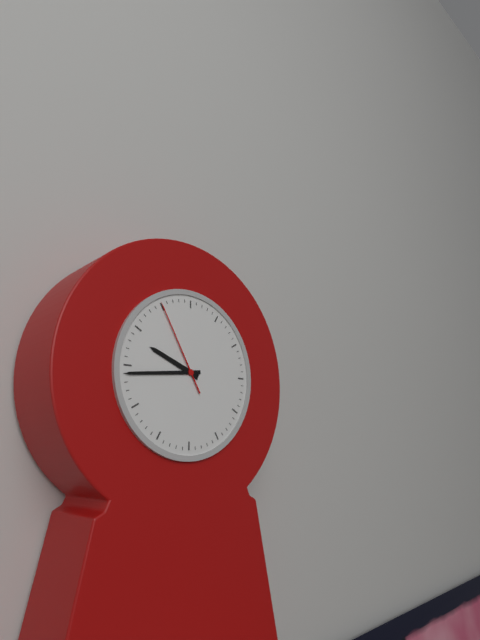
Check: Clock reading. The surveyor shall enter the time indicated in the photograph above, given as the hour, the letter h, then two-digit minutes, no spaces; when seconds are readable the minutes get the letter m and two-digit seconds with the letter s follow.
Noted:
9h44m55s
